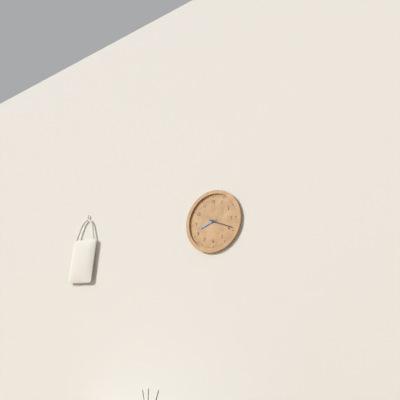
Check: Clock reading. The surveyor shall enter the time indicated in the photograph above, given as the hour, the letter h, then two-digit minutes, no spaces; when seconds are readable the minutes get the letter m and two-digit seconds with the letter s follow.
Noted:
8h19
